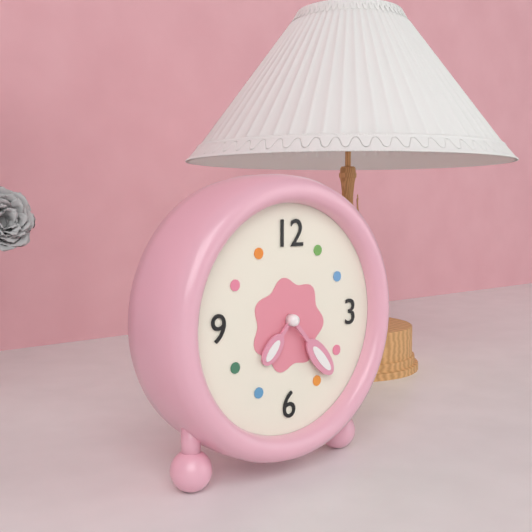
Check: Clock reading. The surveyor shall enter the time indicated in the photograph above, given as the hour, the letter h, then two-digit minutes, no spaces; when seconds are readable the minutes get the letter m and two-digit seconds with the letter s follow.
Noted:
7h23
